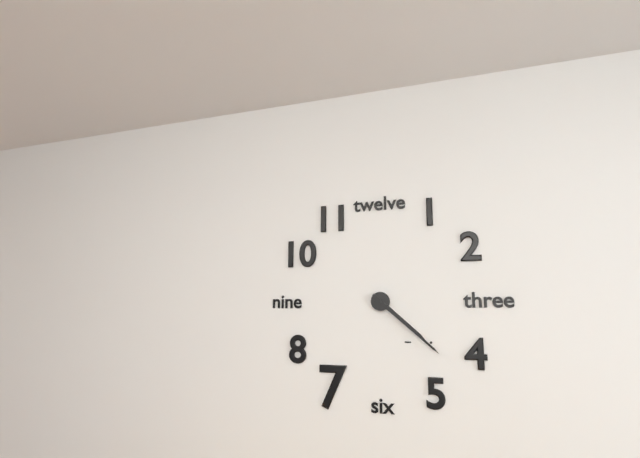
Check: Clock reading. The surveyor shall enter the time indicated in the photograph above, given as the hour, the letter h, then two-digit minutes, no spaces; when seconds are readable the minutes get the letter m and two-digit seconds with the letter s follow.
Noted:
4h22
